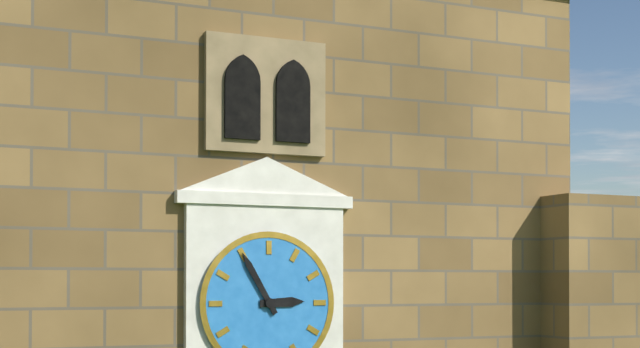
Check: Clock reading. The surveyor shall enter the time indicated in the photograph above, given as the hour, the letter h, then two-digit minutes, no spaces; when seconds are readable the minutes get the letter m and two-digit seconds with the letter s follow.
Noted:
2h55
